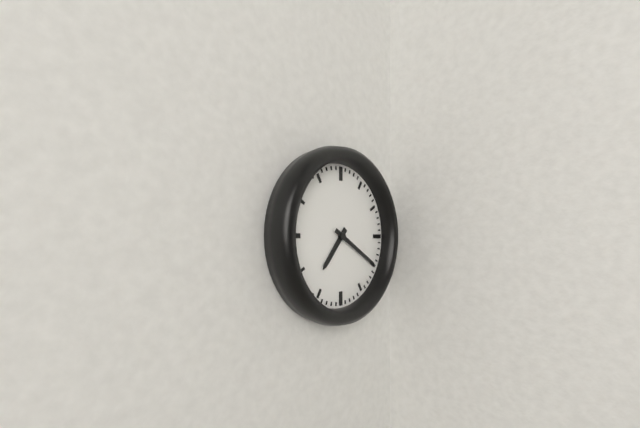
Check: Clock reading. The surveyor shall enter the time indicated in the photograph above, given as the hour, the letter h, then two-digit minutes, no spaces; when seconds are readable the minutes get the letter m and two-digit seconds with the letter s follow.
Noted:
7h20
